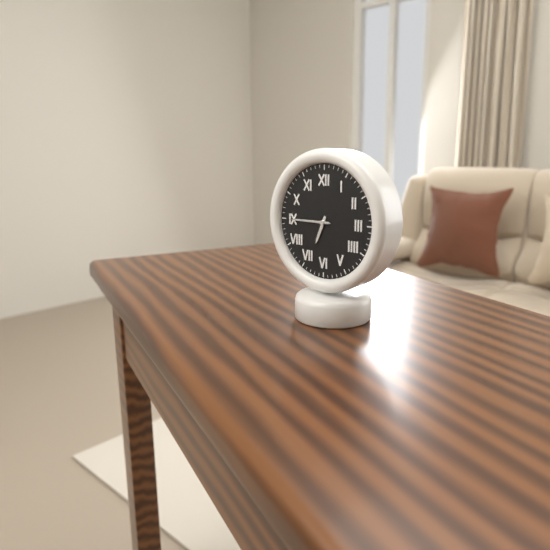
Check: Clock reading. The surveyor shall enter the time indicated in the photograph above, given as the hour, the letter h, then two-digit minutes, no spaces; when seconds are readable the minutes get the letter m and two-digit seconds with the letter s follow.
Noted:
6h45
